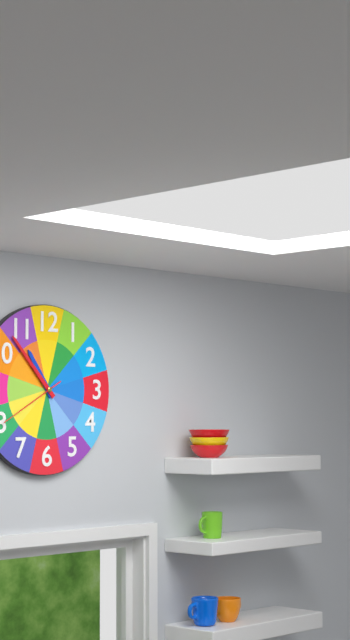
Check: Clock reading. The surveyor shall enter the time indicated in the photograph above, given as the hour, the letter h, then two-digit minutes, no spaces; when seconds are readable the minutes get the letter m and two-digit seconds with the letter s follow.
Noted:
10h53m40s
